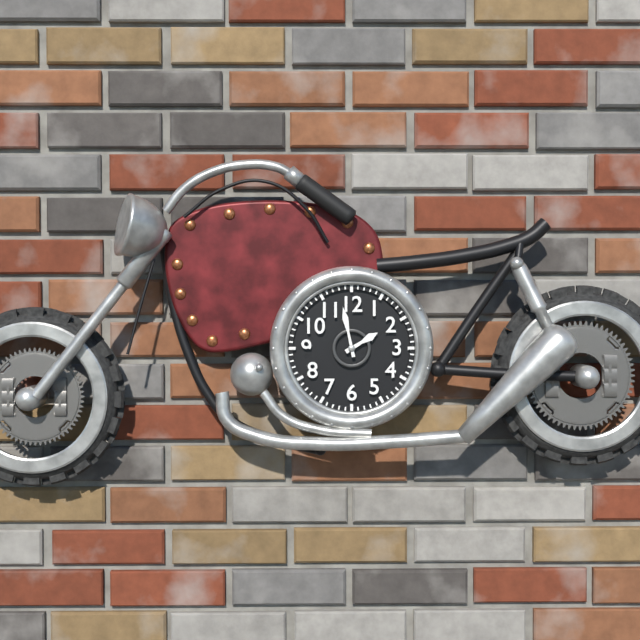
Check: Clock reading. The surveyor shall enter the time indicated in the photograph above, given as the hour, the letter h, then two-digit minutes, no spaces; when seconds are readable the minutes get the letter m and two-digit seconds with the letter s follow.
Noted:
1h58
